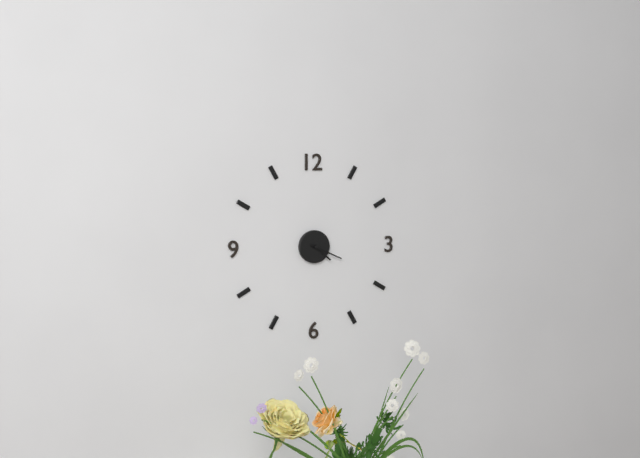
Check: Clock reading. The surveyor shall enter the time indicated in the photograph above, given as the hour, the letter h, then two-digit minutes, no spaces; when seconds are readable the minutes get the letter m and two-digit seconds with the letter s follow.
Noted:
4h19
